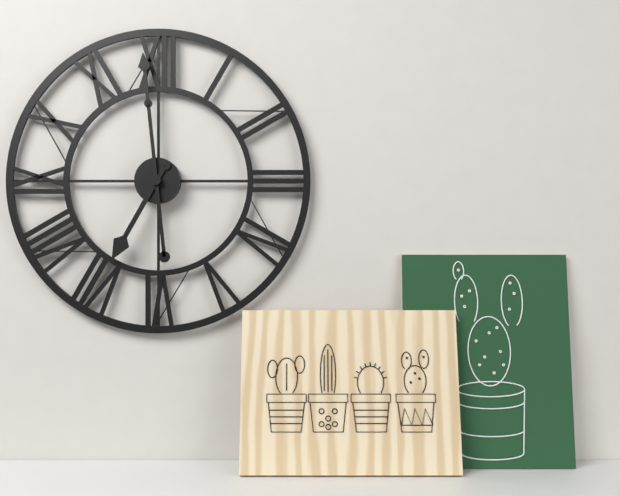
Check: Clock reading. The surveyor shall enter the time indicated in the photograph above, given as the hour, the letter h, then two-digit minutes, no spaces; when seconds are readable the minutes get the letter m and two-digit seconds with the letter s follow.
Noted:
6h59
